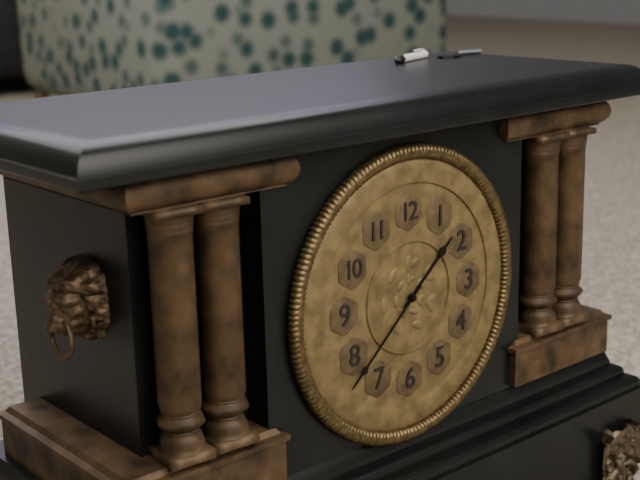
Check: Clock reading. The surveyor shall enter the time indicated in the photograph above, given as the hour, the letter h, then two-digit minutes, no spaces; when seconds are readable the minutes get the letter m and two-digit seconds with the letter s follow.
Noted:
1h38
